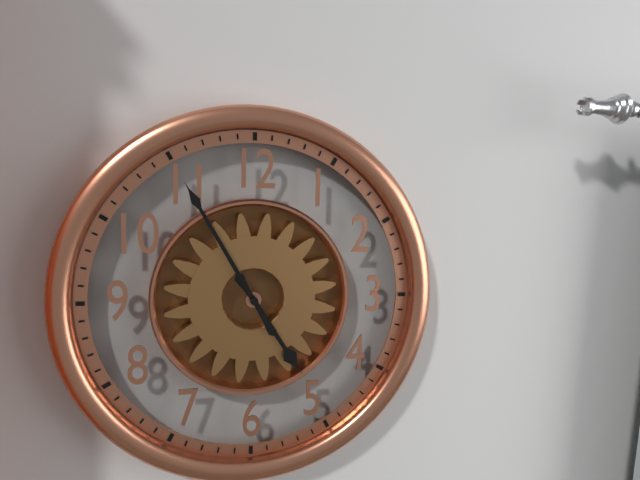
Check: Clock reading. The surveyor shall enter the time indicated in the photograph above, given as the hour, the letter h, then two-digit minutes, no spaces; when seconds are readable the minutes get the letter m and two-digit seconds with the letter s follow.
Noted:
4h55
